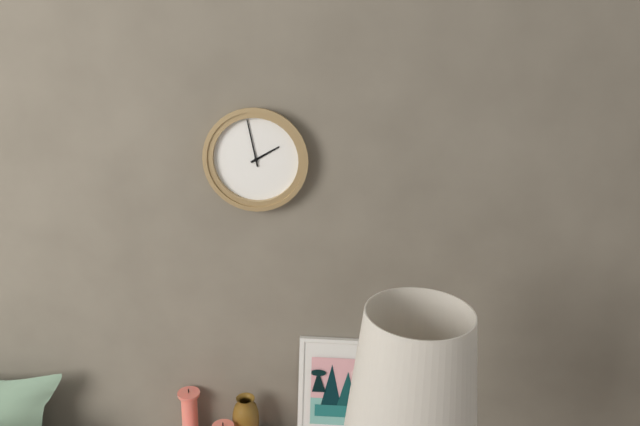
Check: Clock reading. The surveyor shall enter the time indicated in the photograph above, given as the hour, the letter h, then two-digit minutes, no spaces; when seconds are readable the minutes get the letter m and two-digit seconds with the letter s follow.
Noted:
1h58
